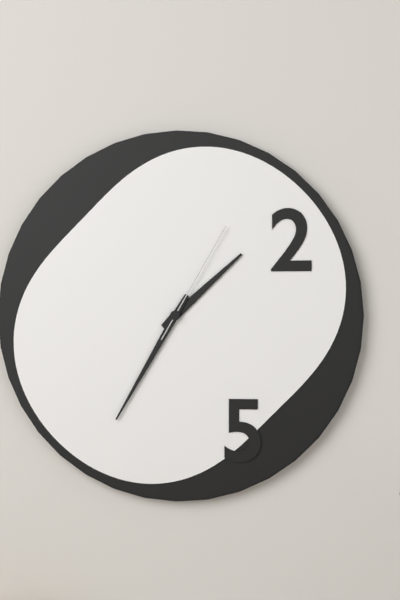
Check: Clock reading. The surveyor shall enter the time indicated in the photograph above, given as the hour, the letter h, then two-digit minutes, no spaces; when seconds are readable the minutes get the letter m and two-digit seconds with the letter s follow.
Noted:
1h35m05s
